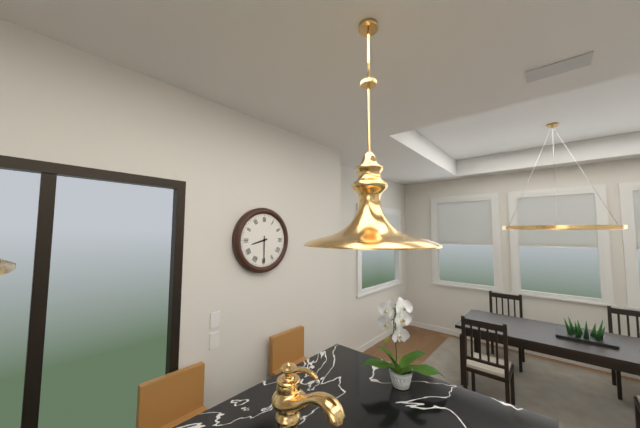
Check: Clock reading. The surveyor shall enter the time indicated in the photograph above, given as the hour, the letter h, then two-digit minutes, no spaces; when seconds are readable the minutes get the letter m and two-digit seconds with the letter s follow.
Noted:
8h30
